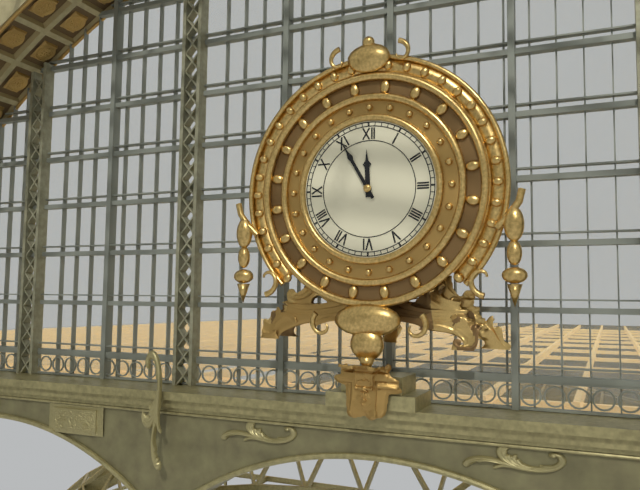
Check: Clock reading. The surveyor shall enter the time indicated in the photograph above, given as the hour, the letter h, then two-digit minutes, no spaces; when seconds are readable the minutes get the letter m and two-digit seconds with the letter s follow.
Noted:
11h55
